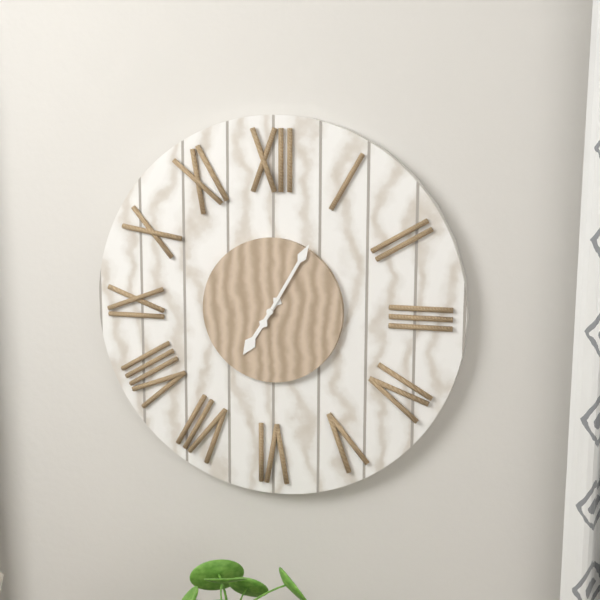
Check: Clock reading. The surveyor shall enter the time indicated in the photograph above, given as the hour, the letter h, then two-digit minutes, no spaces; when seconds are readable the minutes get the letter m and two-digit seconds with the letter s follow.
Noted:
7h05
